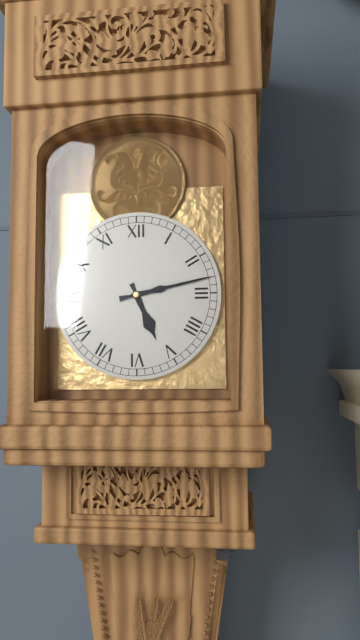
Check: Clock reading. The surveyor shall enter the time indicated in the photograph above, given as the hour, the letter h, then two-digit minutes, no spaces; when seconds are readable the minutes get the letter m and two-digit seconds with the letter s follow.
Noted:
5h13
